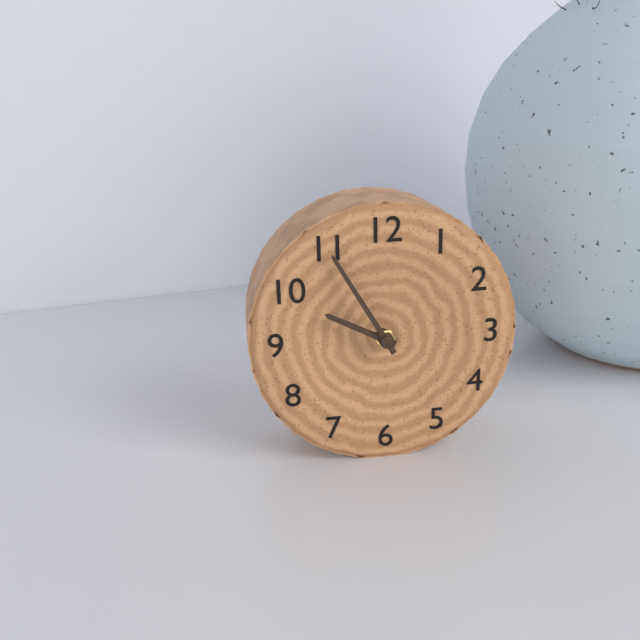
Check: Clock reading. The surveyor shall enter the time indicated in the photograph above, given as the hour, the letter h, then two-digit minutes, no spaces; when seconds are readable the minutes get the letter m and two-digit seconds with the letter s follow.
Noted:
9h55
